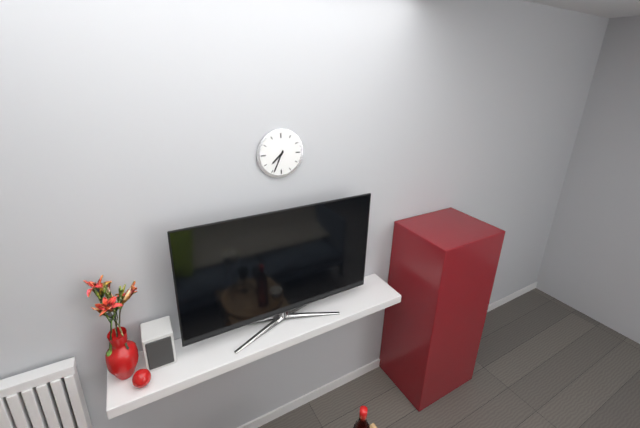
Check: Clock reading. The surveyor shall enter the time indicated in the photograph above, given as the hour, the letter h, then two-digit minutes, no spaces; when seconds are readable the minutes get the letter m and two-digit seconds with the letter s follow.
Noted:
7h34
